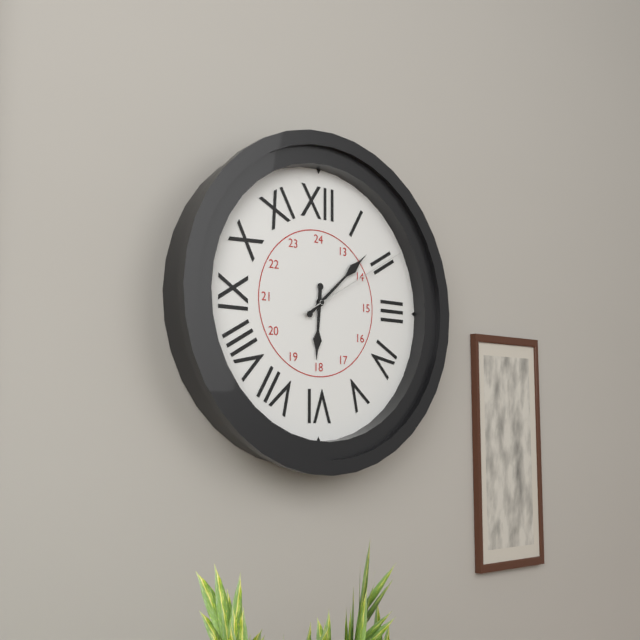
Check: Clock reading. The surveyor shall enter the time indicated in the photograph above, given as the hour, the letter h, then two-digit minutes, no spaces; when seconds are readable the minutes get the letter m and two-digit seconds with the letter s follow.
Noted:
6h08m10s
